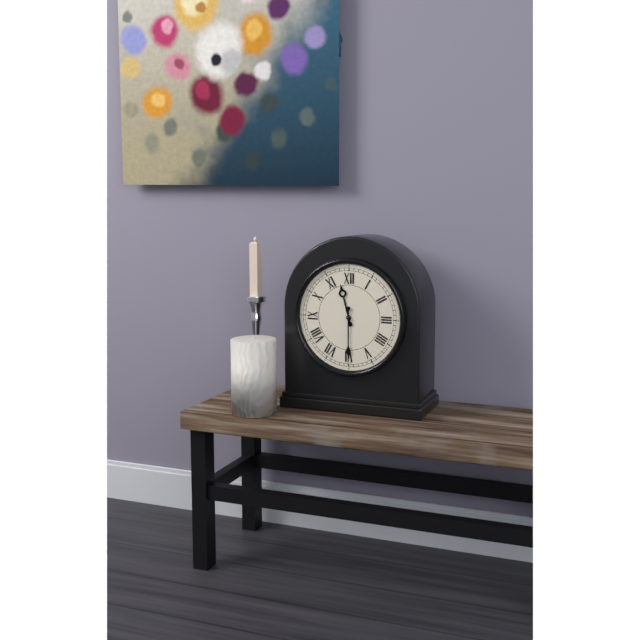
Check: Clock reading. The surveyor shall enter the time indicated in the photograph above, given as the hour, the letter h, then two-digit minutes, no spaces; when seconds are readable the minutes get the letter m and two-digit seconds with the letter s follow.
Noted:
11h30
